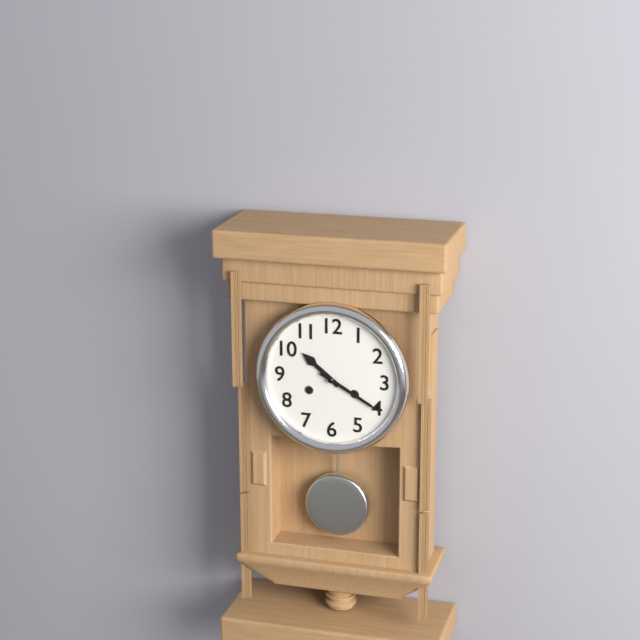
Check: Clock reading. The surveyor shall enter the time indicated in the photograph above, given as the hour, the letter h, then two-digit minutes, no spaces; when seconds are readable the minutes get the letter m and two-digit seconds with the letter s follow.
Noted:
10h20
